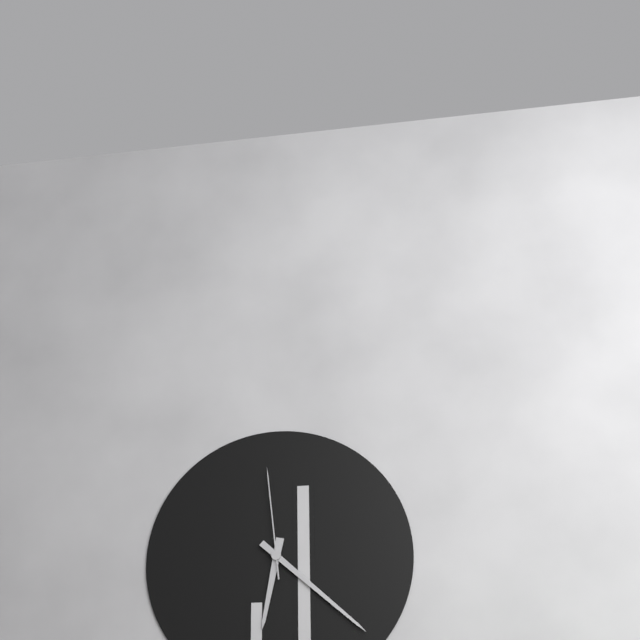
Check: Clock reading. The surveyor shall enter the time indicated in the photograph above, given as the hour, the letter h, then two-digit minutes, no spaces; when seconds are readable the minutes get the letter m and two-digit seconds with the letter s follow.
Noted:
6h22m59s
